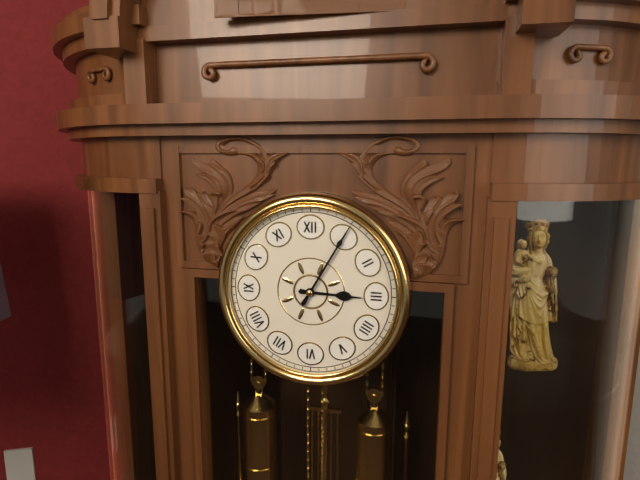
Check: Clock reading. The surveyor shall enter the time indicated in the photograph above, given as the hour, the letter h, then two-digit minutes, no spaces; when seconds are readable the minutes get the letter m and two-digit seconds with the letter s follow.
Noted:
3h05
